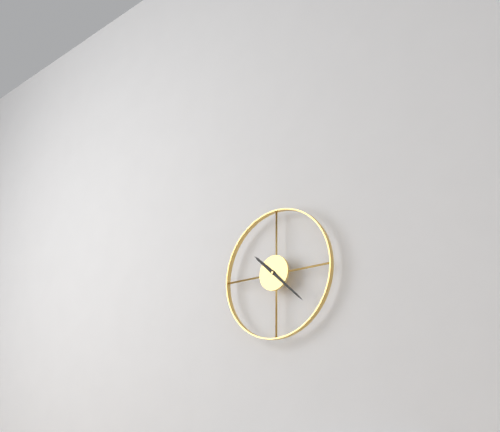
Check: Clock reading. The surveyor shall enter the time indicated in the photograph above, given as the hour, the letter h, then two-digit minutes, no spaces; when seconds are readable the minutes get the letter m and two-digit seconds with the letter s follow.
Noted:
10h22
